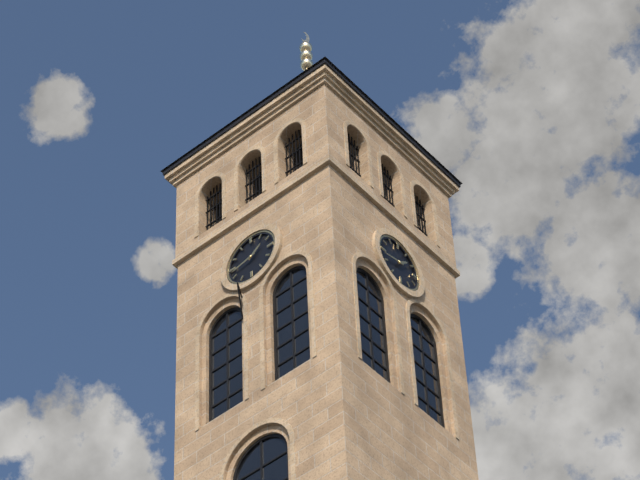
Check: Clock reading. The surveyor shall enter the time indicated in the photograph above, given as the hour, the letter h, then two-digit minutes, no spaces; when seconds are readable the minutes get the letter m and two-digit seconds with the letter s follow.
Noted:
1h43
